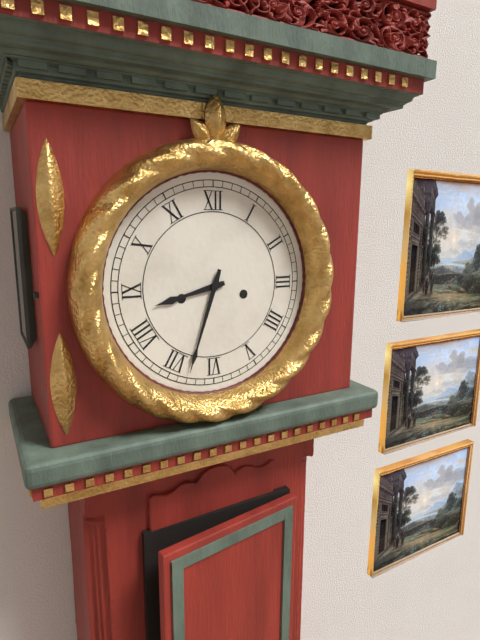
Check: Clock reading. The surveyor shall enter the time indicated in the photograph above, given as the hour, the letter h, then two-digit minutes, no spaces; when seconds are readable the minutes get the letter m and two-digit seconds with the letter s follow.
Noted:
8h33
